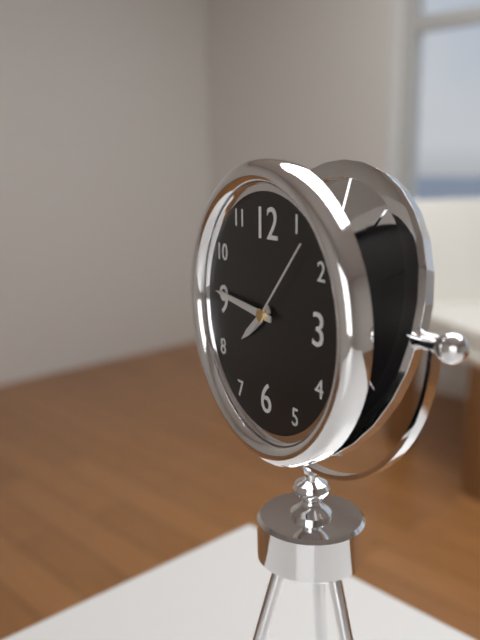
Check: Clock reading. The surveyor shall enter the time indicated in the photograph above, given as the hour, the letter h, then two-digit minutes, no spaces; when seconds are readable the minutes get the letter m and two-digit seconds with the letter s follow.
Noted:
7h46m07s
